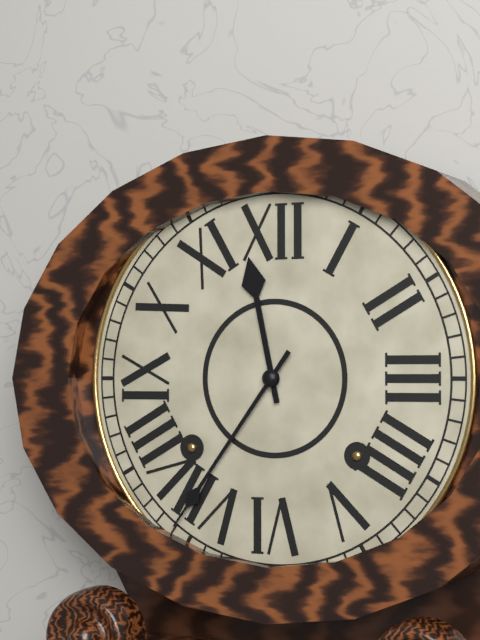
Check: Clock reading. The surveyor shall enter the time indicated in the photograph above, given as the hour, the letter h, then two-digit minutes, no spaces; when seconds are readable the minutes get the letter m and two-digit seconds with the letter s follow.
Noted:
11h36
